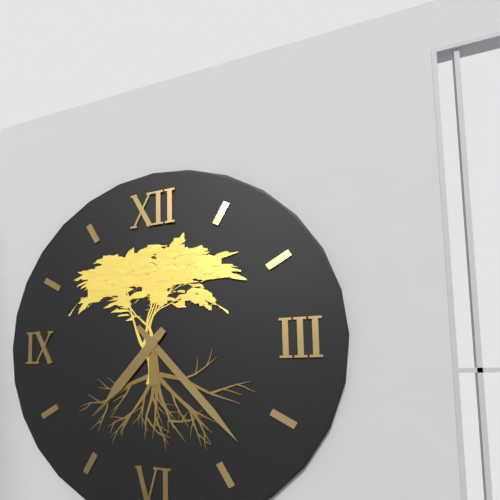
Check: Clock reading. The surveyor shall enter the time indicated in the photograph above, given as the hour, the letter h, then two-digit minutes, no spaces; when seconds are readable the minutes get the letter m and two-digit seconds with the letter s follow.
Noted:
7h23
